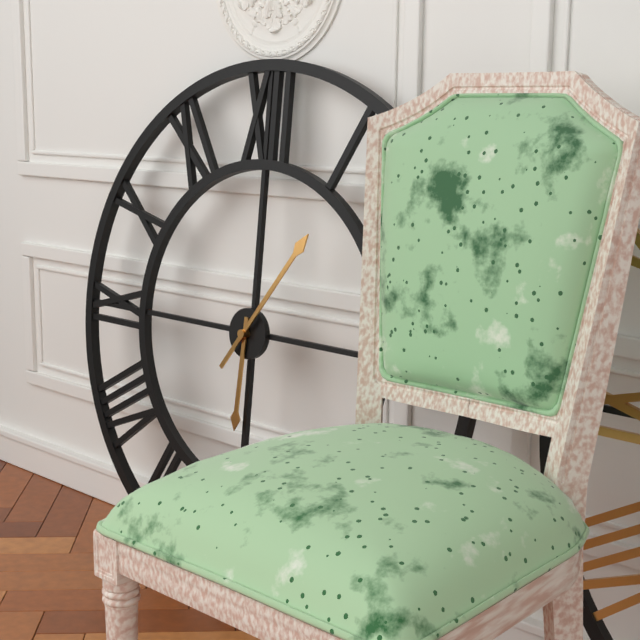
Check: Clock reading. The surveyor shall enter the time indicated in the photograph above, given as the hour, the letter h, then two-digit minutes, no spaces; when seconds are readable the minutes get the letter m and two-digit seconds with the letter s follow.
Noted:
6h06
